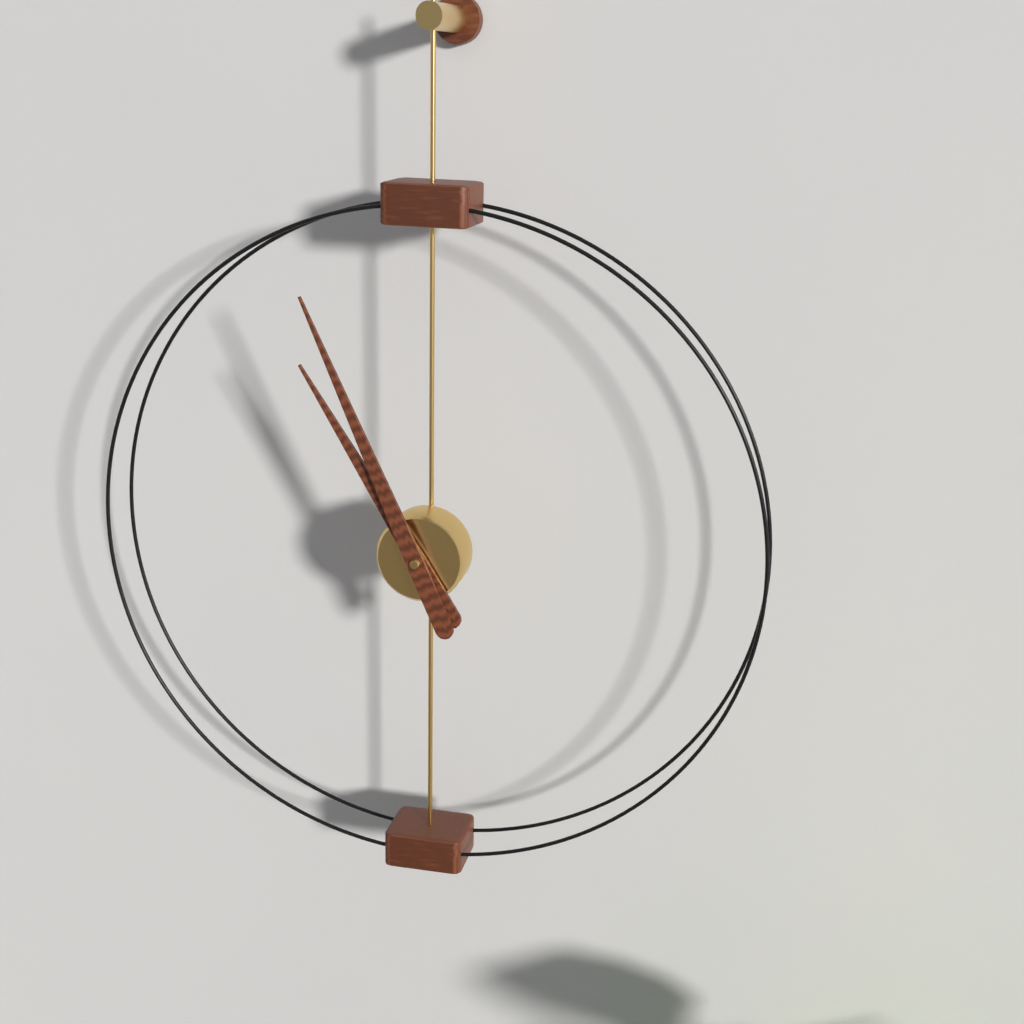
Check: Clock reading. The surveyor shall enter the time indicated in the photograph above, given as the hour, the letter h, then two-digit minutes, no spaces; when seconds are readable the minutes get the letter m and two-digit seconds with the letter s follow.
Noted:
10h56
